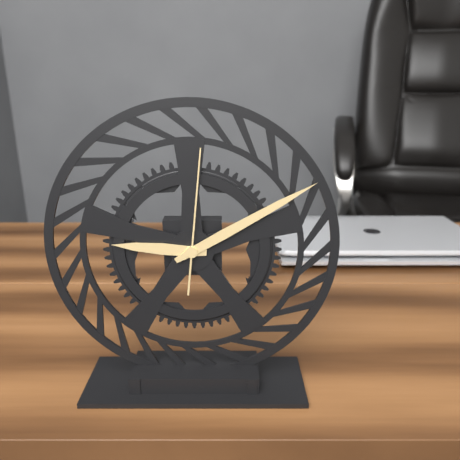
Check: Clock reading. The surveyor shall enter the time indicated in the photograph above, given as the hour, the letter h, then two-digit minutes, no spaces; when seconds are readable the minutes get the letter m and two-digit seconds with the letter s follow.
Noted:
9h10m01s
